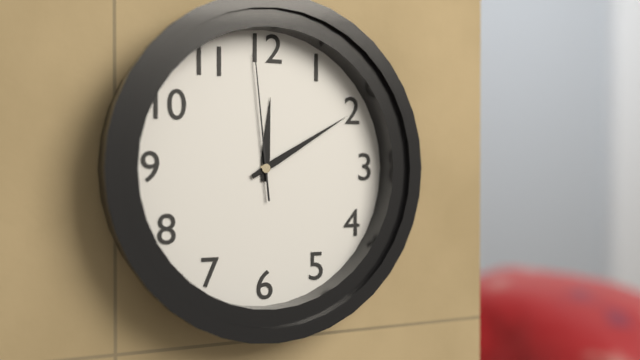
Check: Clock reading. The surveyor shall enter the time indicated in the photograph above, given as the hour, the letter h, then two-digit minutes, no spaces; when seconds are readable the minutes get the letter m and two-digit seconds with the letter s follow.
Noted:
12h10m59s
